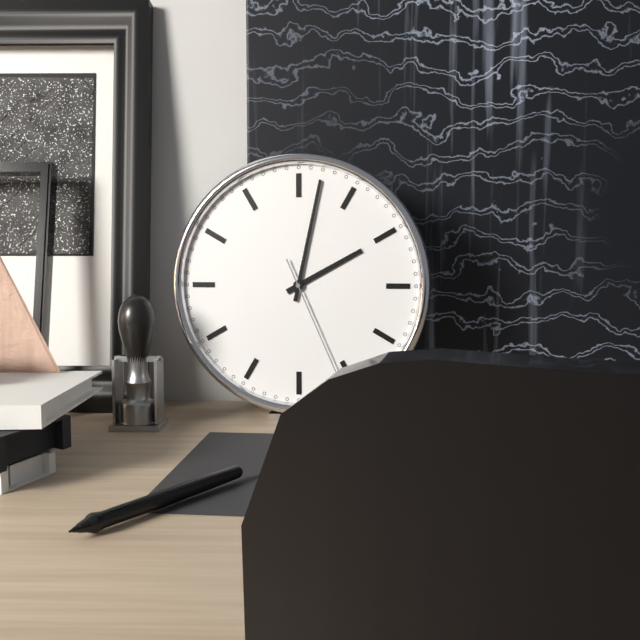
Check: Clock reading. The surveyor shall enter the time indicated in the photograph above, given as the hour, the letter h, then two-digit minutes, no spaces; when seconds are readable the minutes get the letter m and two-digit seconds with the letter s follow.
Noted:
2h02m26s
